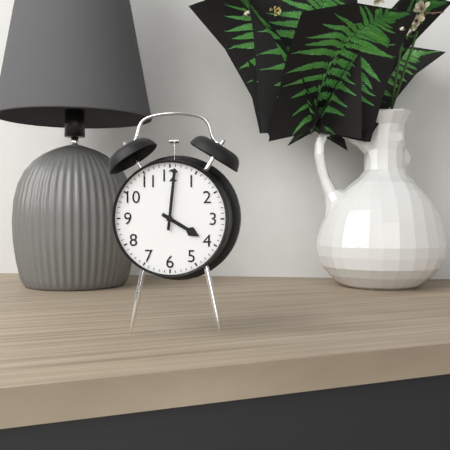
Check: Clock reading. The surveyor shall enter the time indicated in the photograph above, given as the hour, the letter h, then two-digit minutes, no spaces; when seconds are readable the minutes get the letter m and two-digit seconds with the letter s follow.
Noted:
4h01
